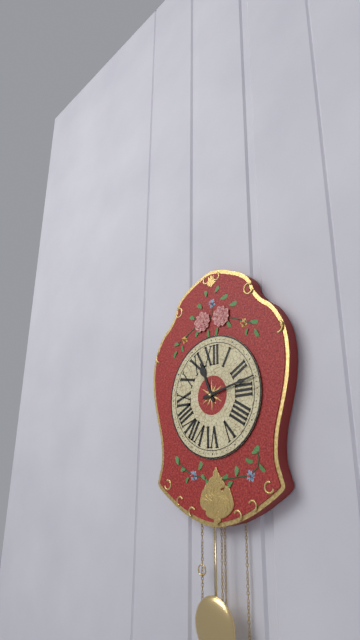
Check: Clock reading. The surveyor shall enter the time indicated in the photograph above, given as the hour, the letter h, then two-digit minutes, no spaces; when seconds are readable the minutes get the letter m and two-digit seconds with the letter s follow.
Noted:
11h13
